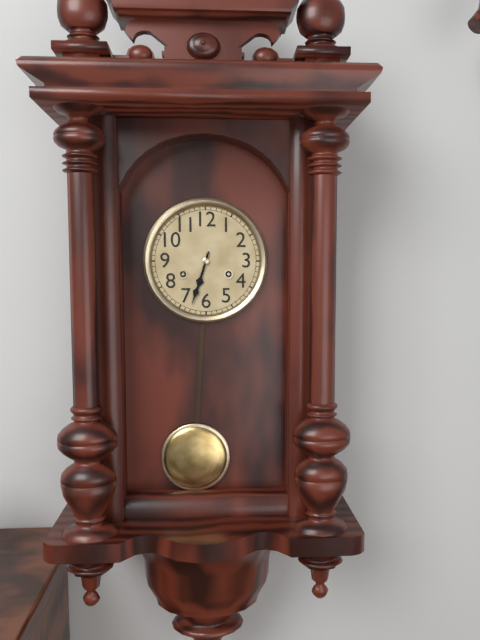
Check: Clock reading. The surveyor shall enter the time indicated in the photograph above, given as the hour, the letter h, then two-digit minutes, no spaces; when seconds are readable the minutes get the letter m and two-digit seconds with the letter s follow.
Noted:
6h33
